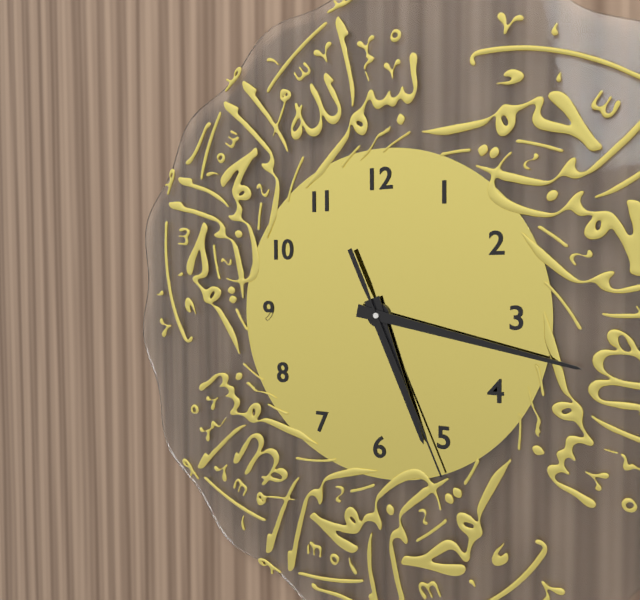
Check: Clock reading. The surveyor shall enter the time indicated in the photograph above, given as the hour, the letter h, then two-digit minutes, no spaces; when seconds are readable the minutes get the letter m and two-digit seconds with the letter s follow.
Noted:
5h17m26s
